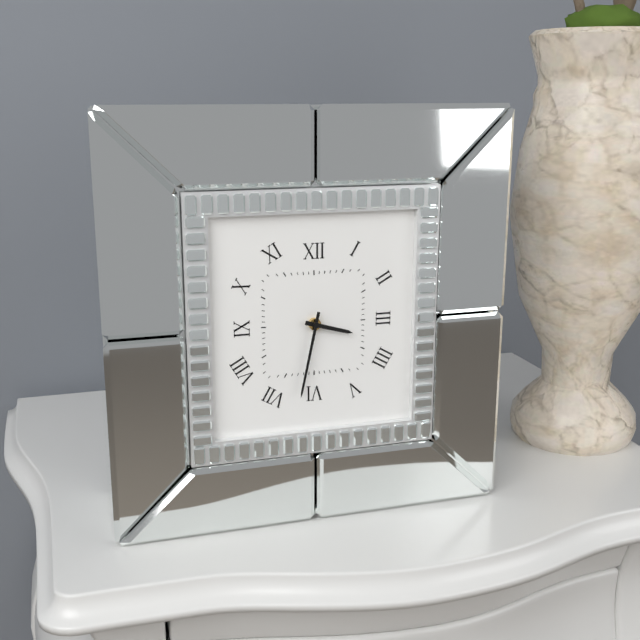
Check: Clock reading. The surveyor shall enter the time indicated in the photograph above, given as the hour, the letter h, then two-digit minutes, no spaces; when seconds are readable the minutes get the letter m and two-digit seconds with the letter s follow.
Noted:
3h32
